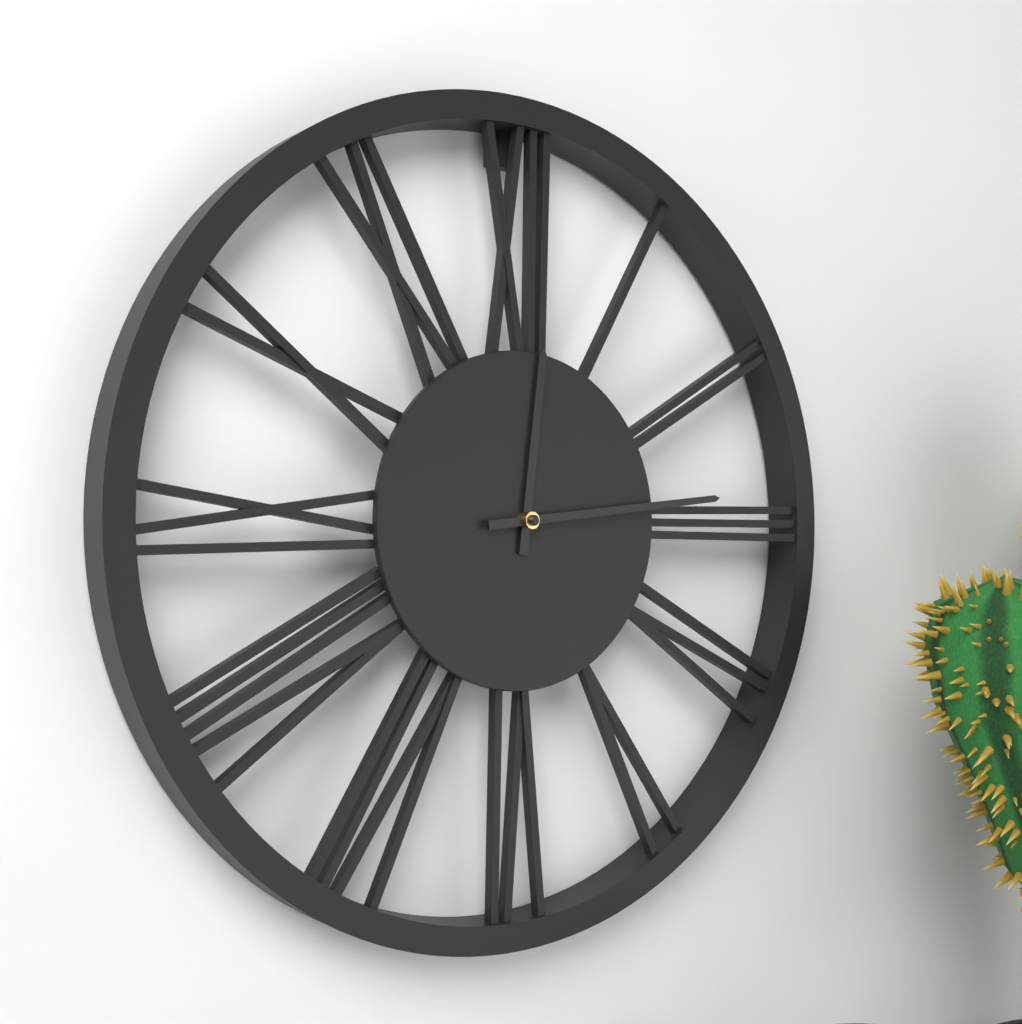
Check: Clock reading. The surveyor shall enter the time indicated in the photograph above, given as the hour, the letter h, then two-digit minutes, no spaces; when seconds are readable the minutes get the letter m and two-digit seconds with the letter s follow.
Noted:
12h14
